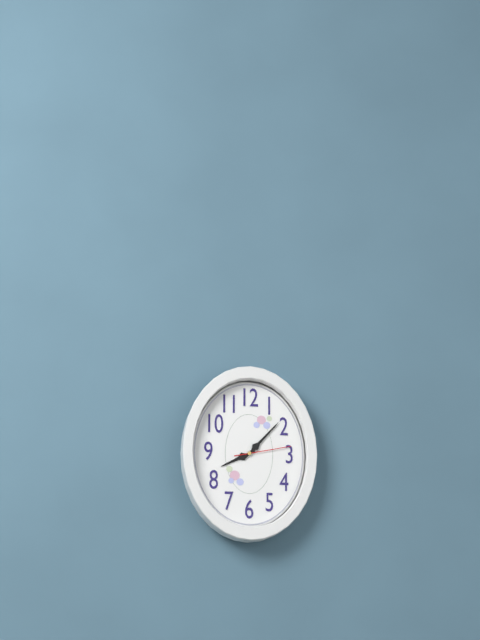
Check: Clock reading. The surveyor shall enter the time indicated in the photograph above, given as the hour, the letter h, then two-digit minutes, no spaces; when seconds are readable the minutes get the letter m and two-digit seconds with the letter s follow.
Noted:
8h07m13s
